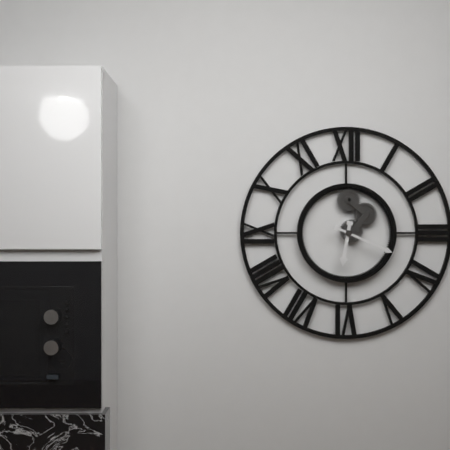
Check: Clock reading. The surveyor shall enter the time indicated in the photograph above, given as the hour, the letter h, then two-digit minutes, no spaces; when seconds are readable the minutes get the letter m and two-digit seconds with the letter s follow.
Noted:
6h19
